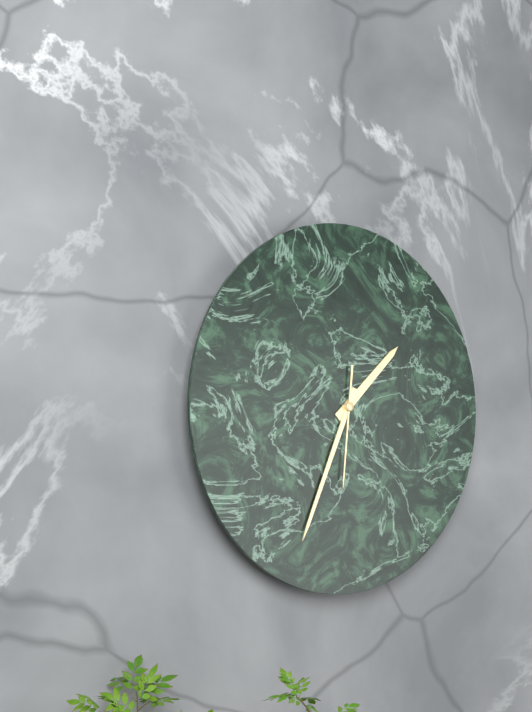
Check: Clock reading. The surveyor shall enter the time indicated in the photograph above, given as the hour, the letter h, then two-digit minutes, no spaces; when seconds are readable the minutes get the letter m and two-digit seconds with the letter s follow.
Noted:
1h34m31s
